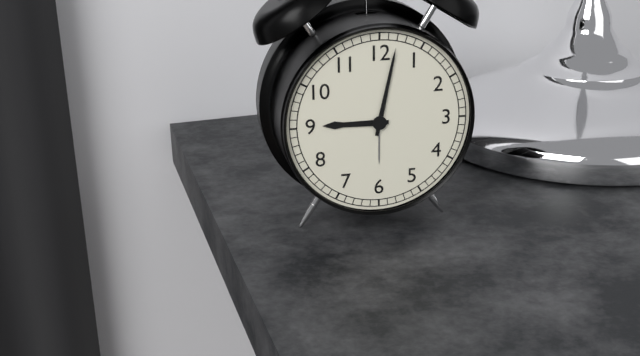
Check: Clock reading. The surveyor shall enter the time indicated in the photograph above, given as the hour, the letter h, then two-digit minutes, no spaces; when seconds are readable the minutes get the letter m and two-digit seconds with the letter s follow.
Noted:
9h02
